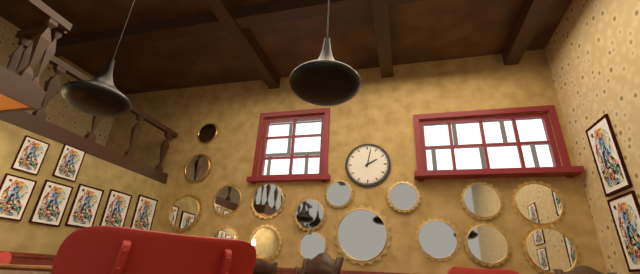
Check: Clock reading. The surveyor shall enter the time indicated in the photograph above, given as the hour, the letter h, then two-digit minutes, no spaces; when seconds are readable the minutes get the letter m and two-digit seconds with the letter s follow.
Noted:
2h02
